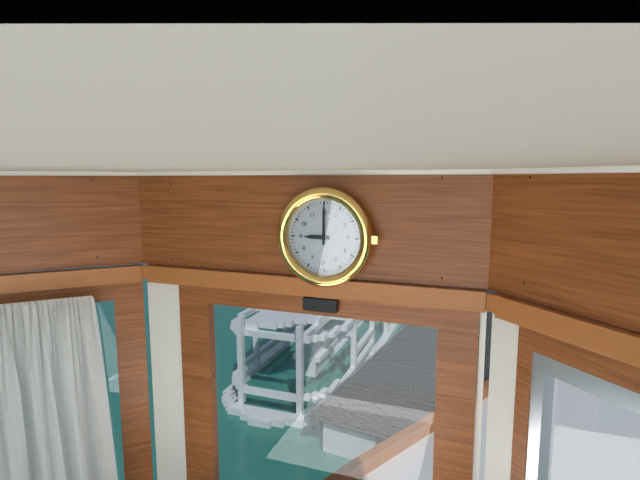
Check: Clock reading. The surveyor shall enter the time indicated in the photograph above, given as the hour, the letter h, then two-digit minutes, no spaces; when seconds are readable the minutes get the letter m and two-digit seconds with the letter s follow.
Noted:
9h00
